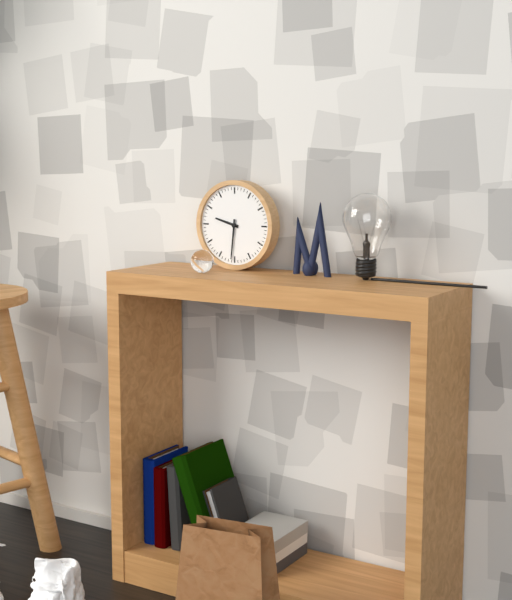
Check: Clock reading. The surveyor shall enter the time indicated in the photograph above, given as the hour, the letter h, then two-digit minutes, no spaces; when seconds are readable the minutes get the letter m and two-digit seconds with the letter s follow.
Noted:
9h31
